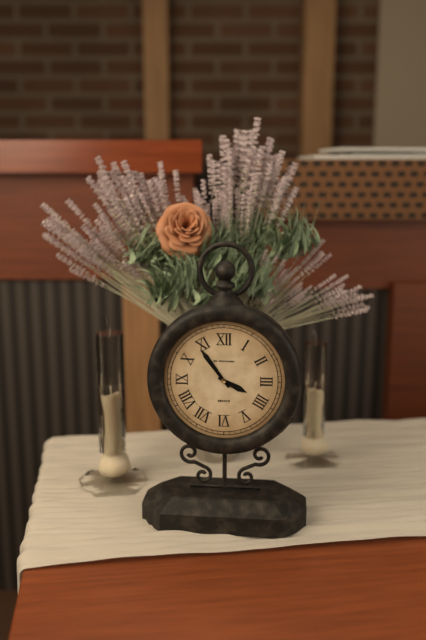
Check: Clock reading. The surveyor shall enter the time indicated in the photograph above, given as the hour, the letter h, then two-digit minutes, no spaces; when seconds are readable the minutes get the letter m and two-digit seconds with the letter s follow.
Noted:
3h54
